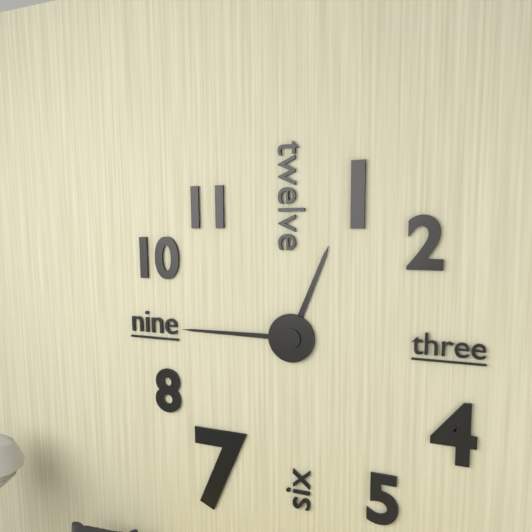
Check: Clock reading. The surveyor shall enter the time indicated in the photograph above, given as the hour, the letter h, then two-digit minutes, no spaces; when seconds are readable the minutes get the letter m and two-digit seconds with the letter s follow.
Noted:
12h45
